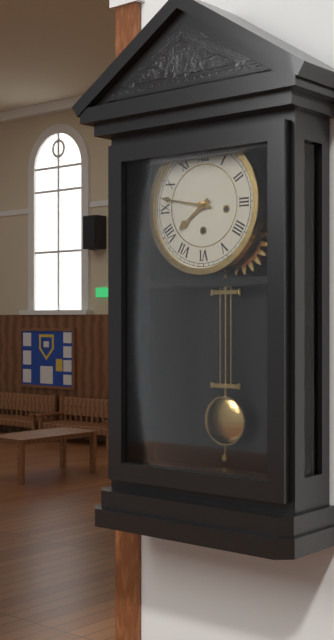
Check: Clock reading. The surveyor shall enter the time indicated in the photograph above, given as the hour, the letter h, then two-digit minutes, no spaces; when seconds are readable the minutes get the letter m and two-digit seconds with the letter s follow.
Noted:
7h47
